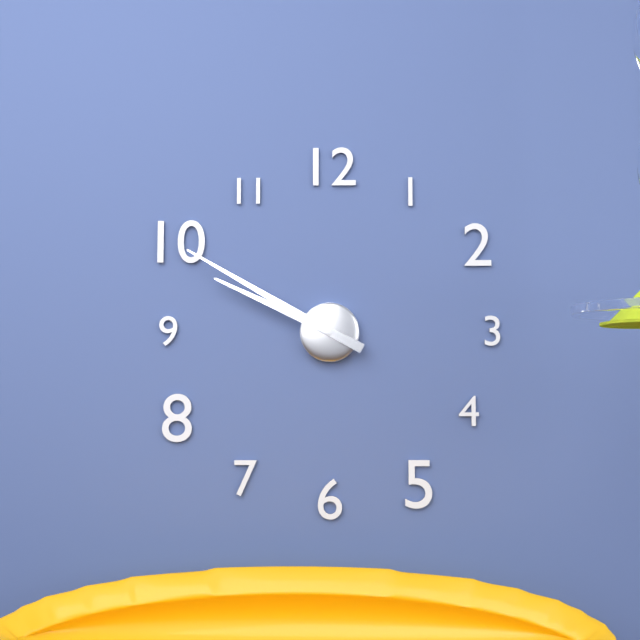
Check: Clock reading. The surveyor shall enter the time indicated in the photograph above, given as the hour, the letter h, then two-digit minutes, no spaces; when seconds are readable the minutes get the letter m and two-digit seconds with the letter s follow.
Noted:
9h50
